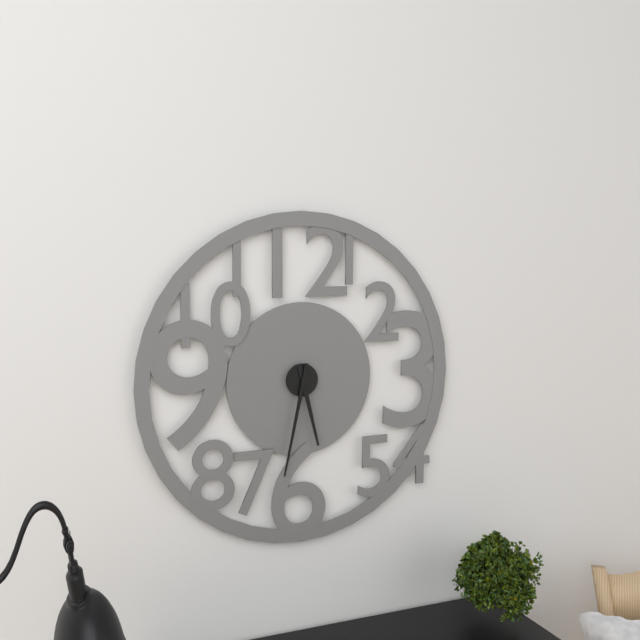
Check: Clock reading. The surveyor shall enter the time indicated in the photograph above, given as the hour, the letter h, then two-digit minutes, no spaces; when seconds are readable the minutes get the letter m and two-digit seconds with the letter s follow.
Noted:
5h32
